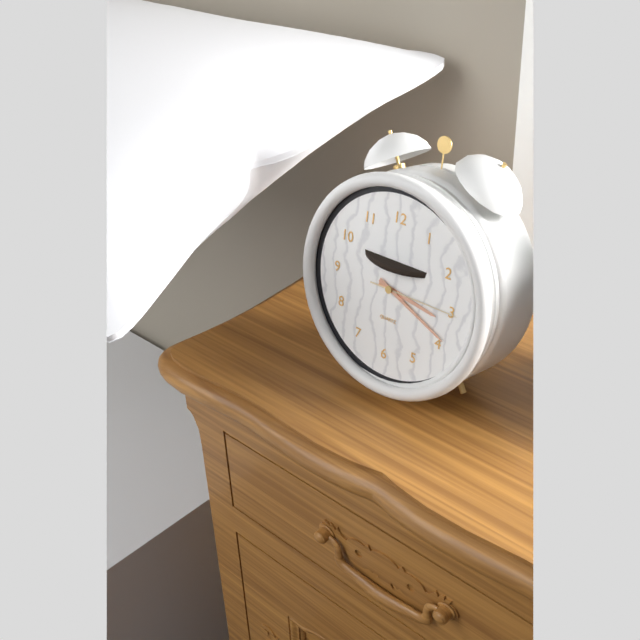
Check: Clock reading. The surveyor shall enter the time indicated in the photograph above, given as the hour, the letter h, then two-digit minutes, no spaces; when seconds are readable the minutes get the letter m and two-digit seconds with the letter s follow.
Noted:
3h19m15s
